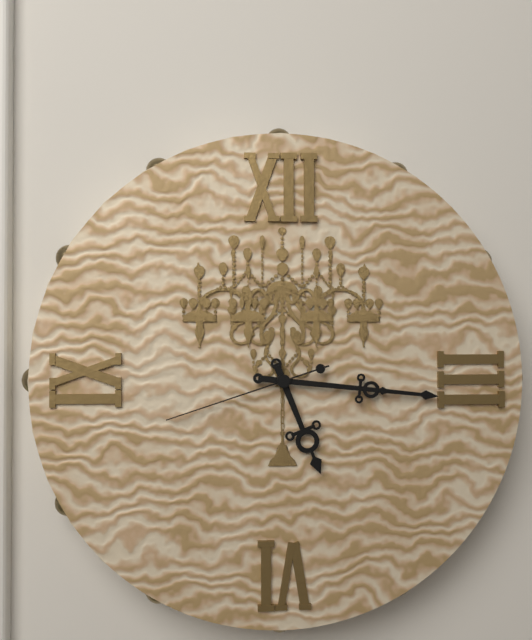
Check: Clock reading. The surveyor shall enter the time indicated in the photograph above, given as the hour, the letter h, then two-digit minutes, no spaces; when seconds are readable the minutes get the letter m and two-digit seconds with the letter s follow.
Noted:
5h16m42s
